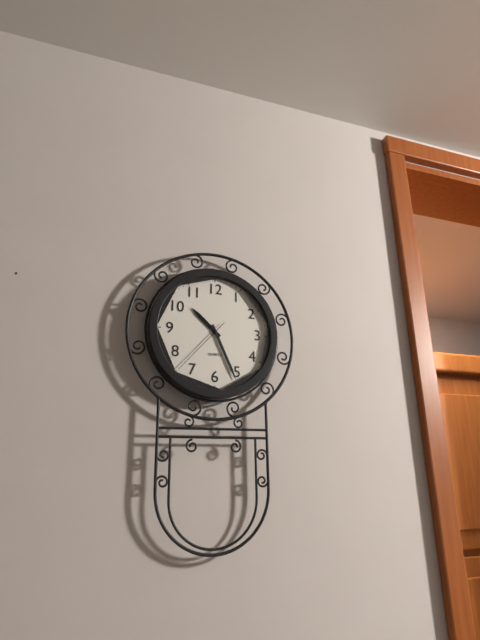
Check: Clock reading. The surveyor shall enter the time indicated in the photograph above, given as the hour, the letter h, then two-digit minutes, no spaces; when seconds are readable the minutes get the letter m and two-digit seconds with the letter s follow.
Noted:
10h26m37s
